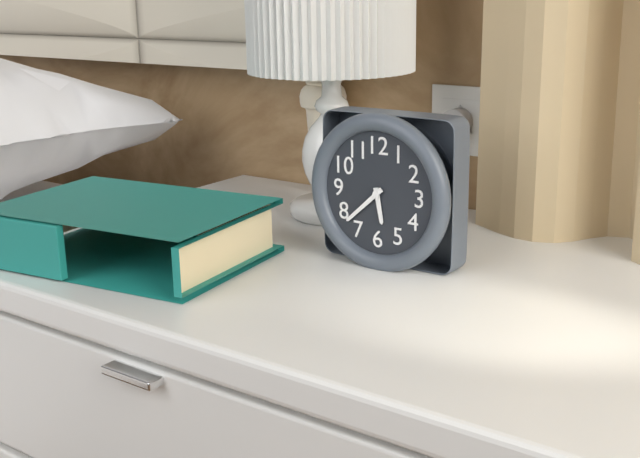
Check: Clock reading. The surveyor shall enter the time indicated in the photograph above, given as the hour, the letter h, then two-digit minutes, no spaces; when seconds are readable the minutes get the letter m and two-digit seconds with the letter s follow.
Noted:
5h38
